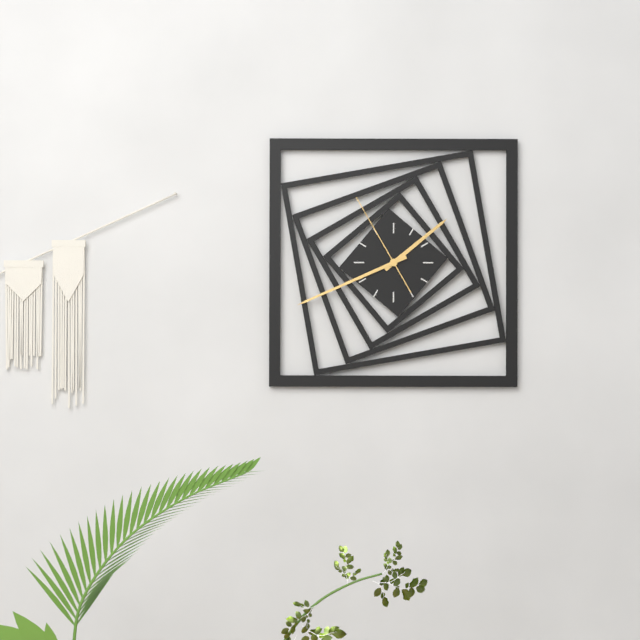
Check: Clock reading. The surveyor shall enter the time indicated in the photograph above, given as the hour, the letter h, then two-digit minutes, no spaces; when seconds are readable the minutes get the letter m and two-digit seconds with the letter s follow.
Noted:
1h41m55s
